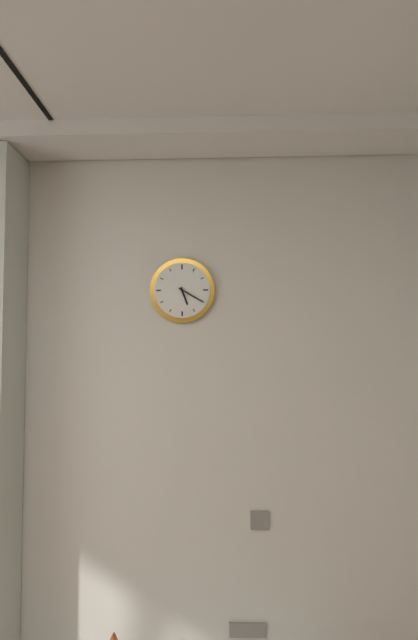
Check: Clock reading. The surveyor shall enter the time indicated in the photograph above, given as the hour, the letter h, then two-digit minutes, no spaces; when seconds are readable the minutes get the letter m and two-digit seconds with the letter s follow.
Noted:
5h20
